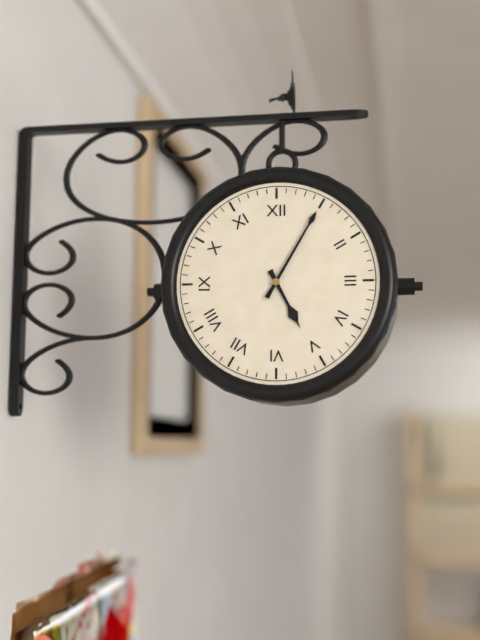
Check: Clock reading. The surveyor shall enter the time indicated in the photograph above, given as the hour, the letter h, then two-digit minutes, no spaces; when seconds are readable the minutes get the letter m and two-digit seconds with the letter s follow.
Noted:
5h05
